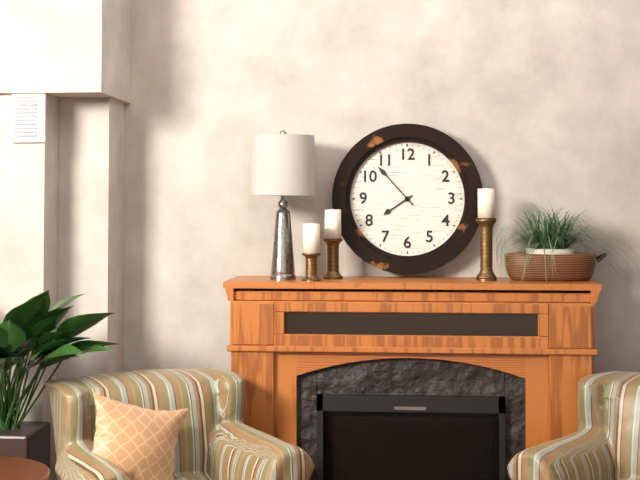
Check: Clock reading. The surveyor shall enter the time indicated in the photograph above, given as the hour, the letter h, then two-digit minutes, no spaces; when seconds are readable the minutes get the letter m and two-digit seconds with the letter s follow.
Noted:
7h53
